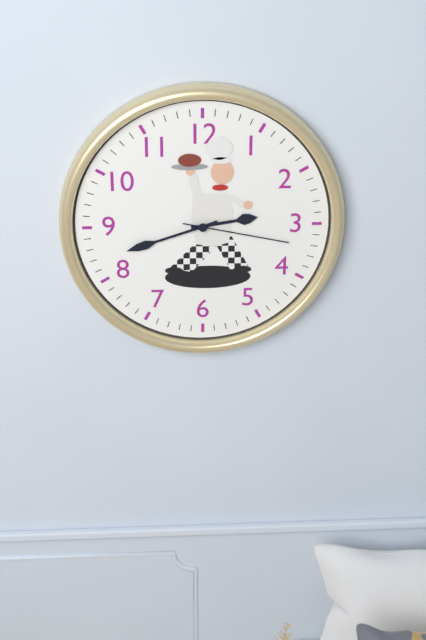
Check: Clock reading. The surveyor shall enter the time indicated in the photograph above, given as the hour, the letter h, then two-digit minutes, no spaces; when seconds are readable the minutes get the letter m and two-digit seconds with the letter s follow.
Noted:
2h42m17s
